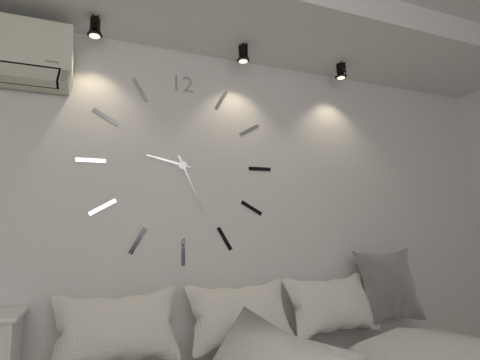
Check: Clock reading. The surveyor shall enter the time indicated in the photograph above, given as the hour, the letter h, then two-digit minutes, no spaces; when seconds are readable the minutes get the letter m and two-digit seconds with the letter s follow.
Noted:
9h26
